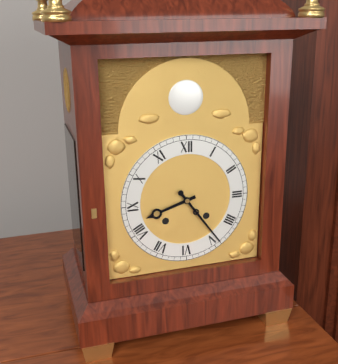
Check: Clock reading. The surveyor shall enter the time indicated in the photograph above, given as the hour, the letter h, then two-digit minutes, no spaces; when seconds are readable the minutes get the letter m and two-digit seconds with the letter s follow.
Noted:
8h24
